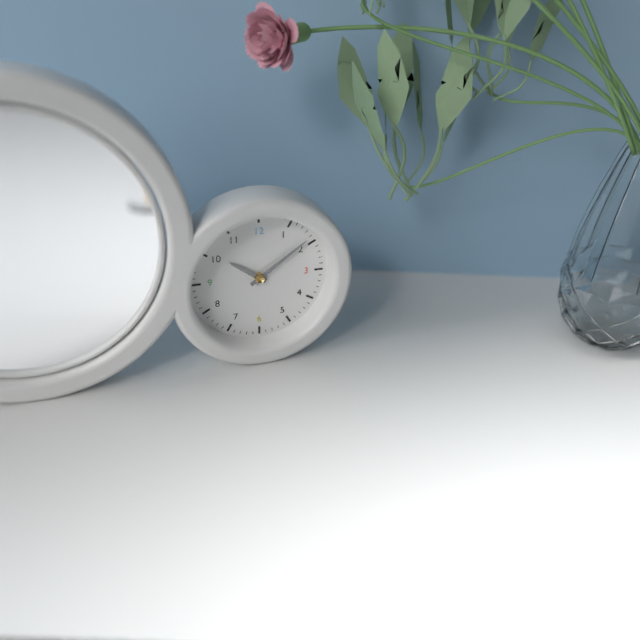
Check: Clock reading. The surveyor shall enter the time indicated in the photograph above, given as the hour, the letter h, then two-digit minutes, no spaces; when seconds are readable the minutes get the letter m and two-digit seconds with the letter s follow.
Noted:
10h09
